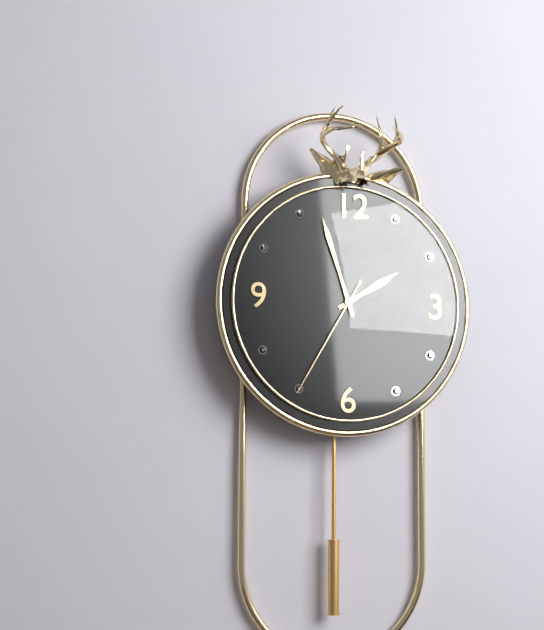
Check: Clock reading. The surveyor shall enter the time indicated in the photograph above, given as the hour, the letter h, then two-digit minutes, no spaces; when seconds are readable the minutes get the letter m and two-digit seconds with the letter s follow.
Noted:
1h57m35s
